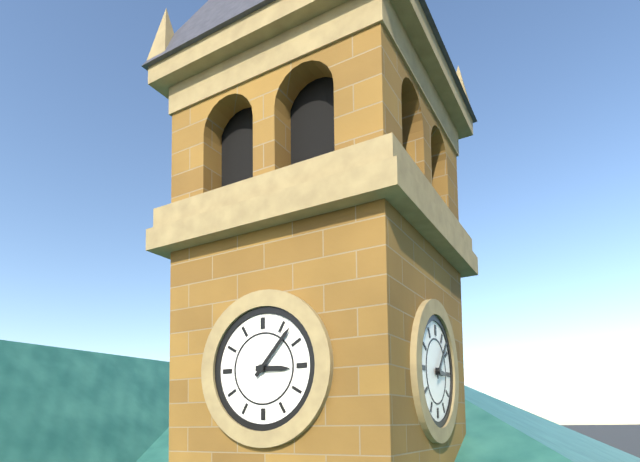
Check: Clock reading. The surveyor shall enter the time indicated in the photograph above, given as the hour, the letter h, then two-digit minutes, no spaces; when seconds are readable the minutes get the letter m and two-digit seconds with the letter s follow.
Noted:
3h07
